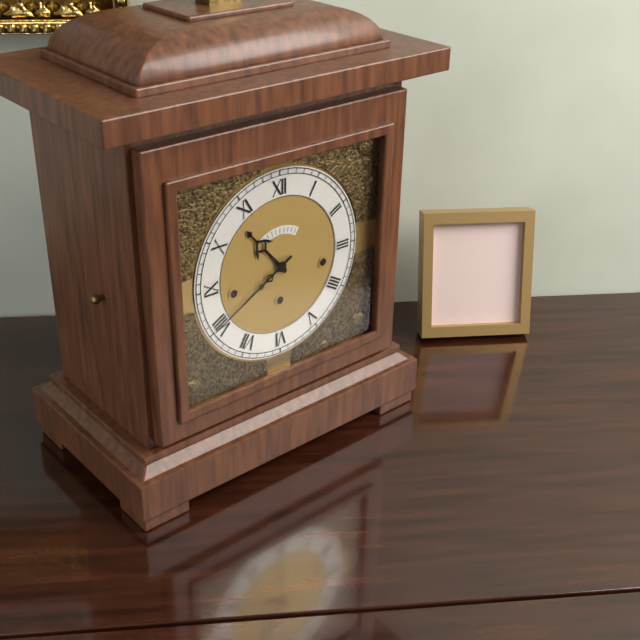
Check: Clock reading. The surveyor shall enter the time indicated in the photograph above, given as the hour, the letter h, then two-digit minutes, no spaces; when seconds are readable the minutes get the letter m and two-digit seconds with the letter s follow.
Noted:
10h40
